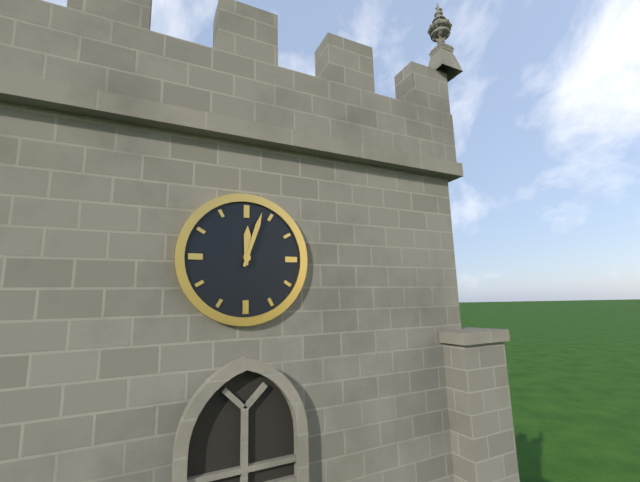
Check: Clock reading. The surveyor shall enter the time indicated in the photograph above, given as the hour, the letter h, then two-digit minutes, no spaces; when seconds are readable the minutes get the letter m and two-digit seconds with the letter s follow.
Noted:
12h03
